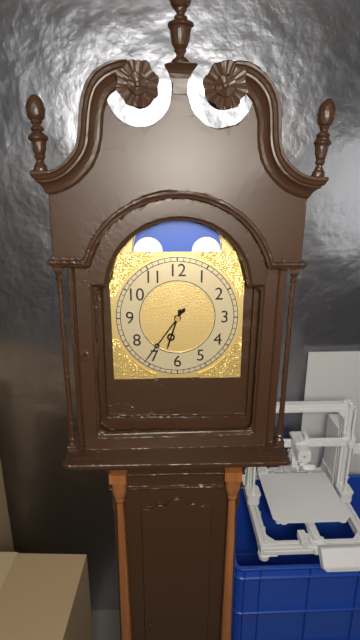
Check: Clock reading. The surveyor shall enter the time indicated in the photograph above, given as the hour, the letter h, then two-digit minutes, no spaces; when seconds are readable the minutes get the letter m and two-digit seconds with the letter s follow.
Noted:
6h36
